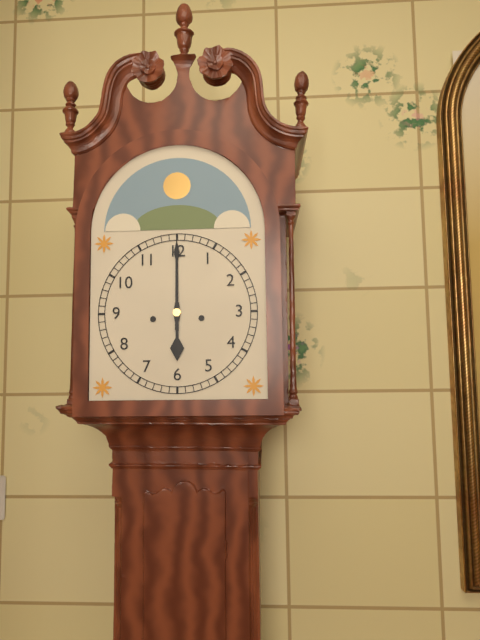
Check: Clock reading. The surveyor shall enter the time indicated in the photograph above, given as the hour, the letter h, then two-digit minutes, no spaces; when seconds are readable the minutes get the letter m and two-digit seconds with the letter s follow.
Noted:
6h00
